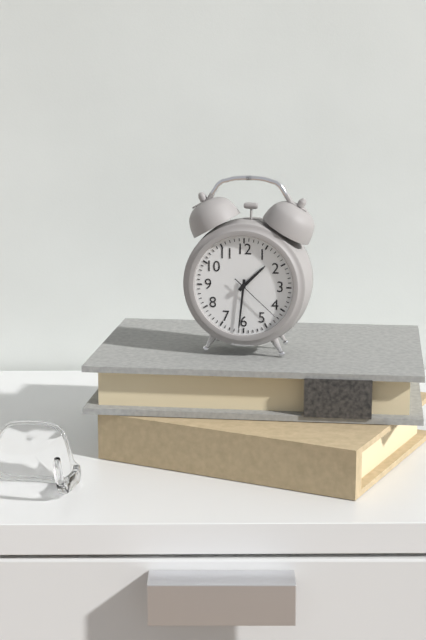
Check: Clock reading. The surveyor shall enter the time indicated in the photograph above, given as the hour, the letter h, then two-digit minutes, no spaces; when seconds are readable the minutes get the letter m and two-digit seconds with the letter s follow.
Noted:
1h31m22s
